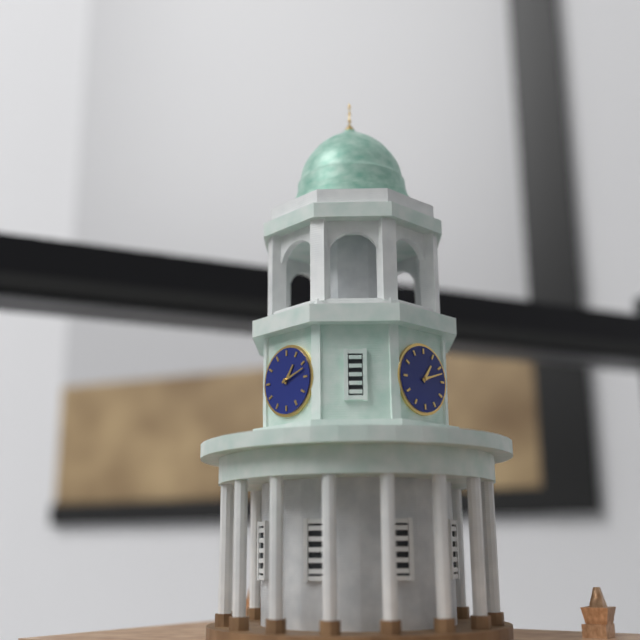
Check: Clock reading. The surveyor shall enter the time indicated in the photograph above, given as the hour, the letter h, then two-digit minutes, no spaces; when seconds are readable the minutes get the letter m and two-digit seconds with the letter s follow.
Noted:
1h12
